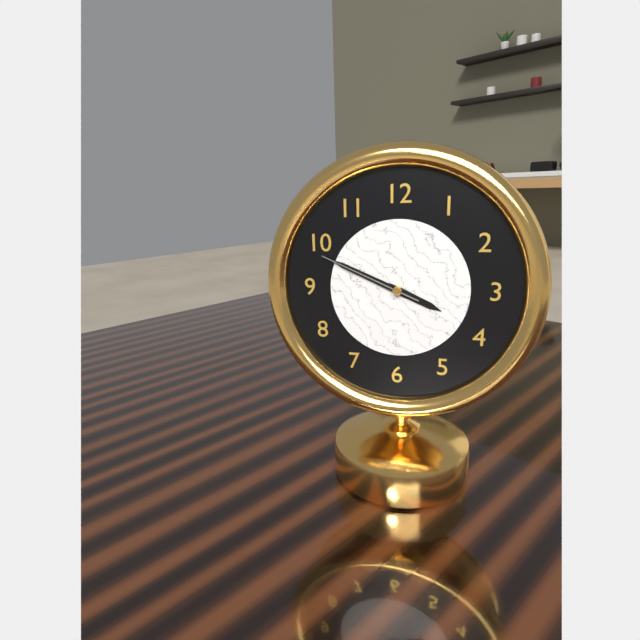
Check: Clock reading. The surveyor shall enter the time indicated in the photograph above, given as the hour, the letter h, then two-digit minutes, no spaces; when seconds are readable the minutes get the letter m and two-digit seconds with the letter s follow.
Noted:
3h49m49s
